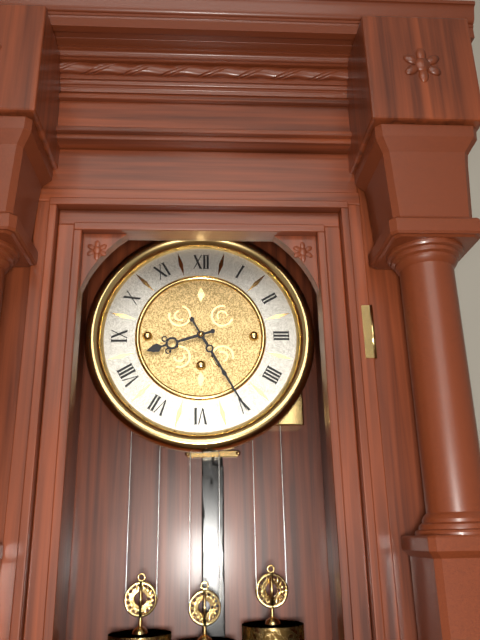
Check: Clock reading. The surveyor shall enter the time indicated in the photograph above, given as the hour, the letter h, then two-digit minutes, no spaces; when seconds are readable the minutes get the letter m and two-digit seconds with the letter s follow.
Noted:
8h25
